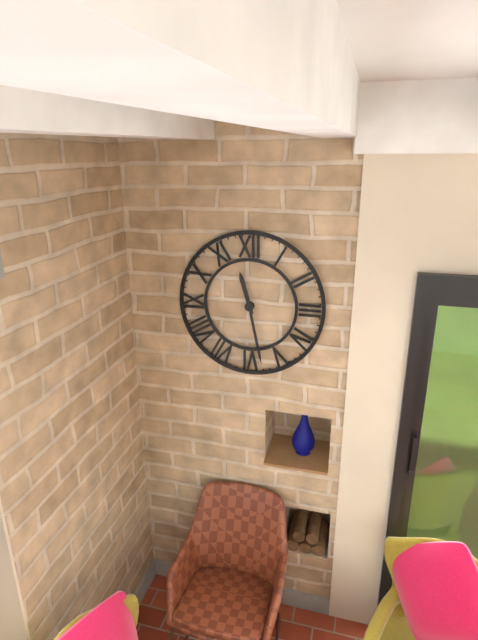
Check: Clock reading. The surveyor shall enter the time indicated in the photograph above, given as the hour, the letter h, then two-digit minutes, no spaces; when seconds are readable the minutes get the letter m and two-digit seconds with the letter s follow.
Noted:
11h28
